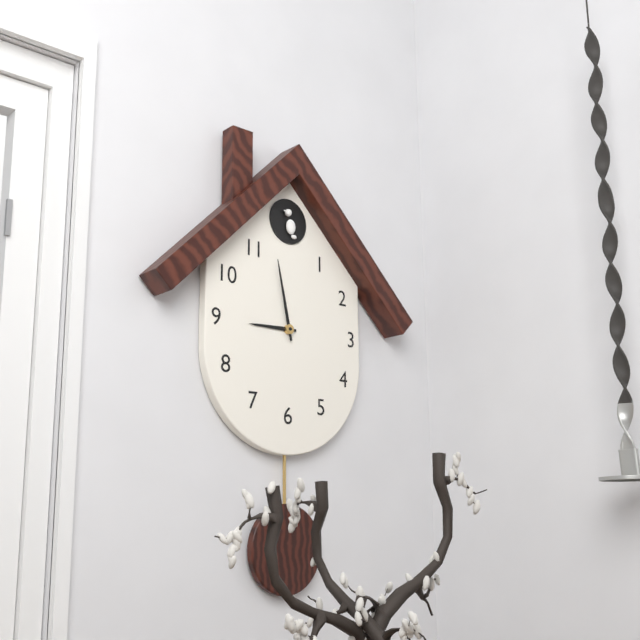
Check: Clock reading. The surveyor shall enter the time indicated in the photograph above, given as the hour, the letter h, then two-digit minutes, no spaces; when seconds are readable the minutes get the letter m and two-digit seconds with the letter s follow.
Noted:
8h58
